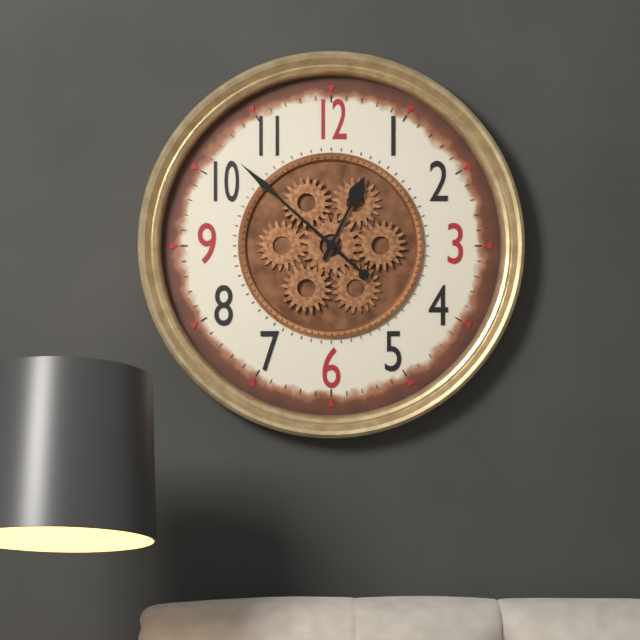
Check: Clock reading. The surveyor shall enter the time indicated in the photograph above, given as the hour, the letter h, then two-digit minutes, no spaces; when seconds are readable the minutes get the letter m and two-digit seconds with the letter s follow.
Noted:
12h52
